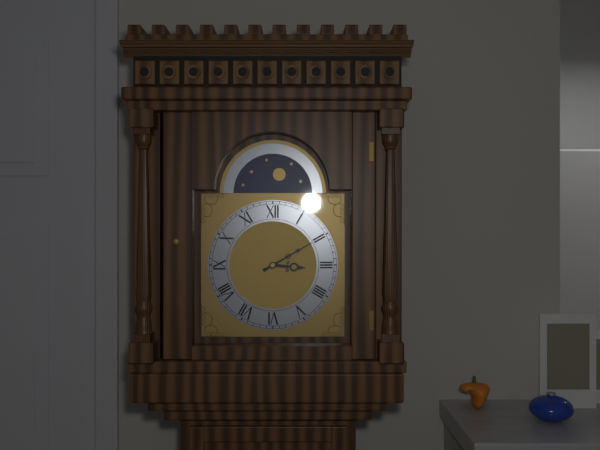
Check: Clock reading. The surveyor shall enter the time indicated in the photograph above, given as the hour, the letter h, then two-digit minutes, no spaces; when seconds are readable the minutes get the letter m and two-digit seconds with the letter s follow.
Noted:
3h10
